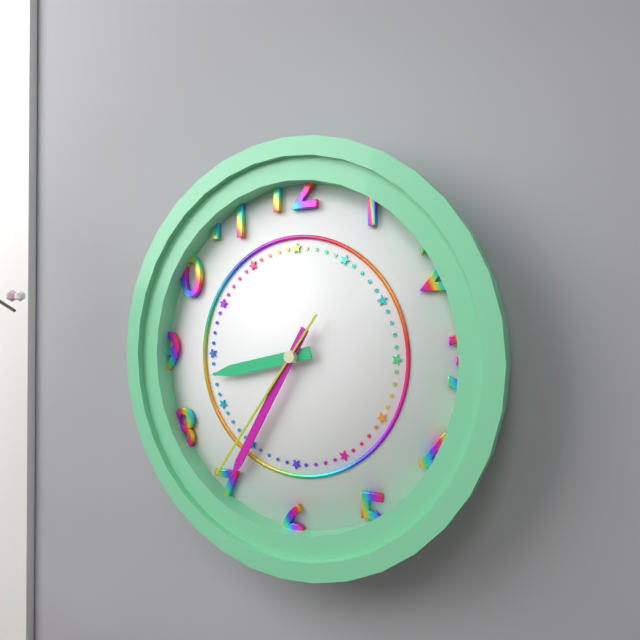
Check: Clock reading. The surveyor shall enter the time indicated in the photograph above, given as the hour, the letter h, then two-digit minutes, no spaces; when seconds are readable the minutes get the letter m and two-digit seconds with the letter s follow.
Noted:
8h35m36s
